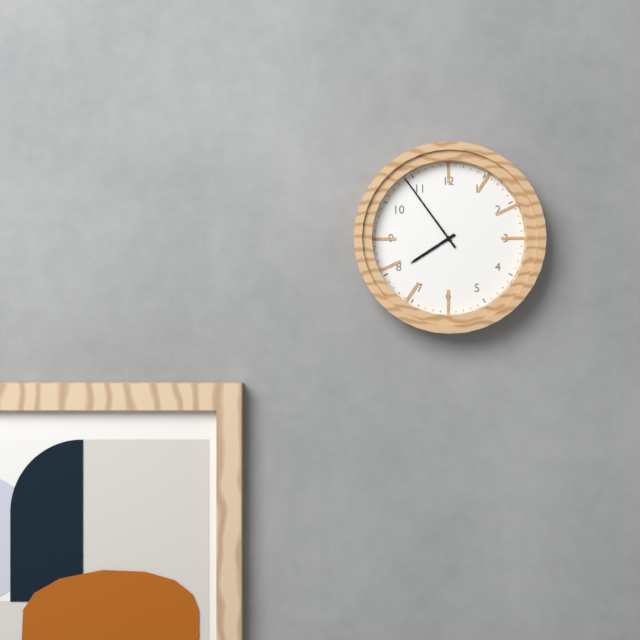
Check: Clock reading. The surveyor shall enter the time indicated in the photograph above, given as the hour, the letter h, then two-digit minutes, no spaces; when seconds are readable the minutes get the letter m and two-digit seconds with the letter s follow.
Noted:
7h54
